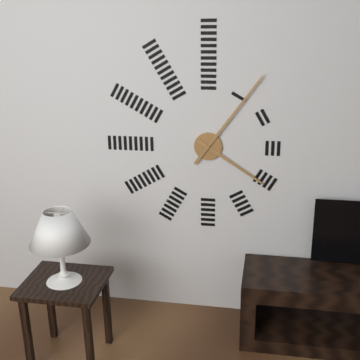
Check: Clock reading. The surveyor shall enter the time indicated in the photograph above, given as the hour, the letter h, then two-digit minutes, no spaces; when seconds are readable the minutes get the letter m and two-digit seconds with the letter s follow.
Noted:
4h06
